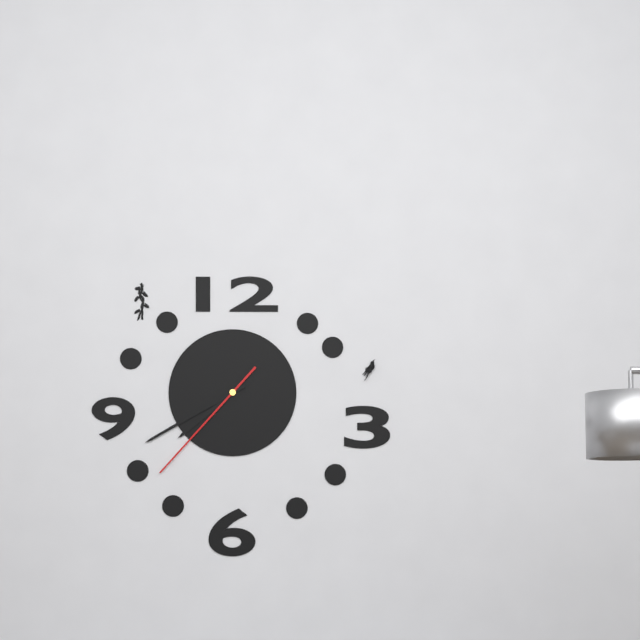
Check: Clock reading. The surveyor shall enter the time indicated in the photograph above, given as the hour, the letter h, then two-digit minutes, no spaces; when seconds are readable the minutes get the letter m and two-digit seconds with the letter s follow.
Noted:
7h40m37s
